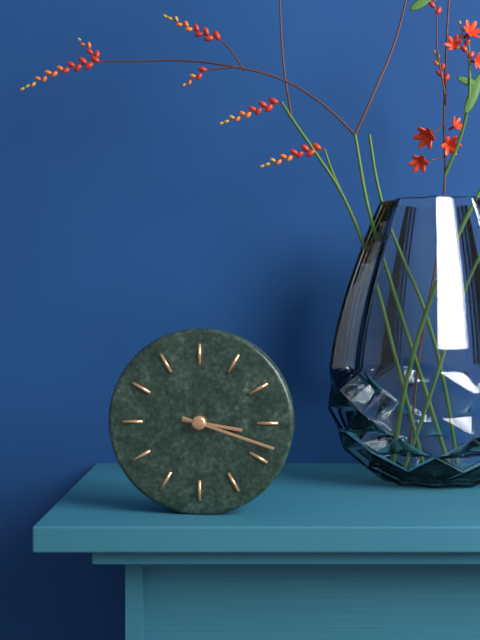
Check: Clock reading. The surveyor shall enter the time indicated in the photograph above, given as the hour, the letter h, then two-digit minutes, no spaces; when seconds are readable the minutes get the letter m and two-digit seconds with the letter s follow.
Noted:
3h18
